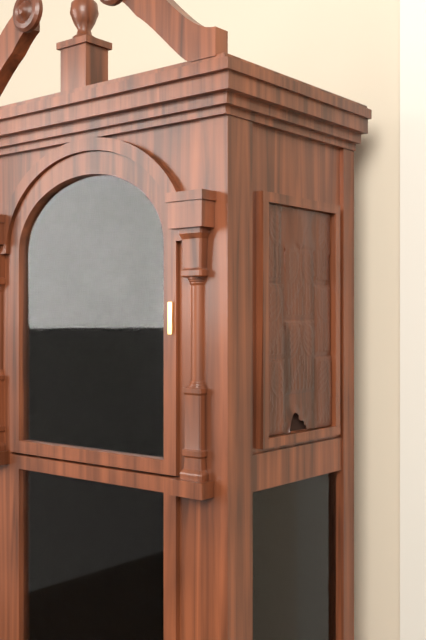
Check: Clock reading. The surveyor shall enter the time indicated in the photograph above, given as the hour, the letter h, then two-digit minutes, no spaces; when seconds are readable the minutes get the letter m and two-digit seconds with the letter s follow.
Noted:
1h35
